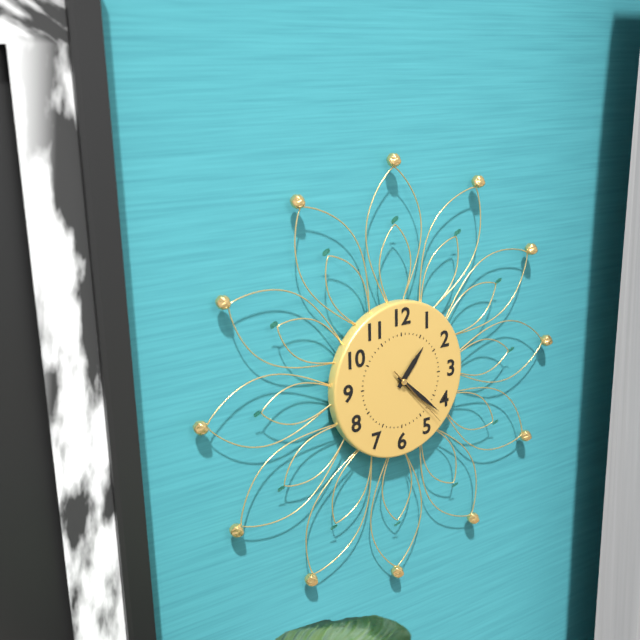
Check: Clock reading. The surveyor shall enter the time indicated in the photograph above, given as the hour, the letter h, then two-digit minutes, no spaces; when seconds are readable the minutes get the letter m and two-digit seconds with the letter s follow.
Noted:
1h22m23s
